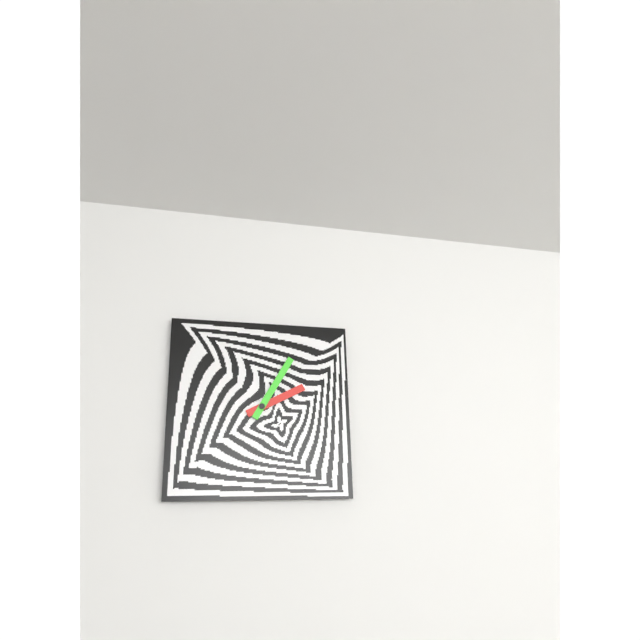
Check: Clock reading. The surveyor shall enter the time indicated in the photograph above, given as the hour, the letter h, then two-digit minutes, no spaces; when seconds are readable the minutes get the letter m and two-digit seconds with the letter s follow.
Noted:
2h05
